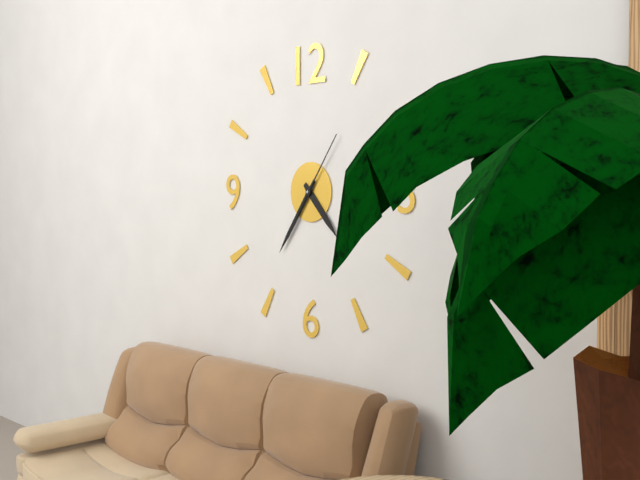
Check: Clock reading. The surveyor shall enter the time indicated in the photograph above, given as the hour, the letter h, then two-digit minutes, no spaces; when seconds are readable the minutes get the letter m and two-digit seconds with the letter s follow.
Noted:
4h36m06s
